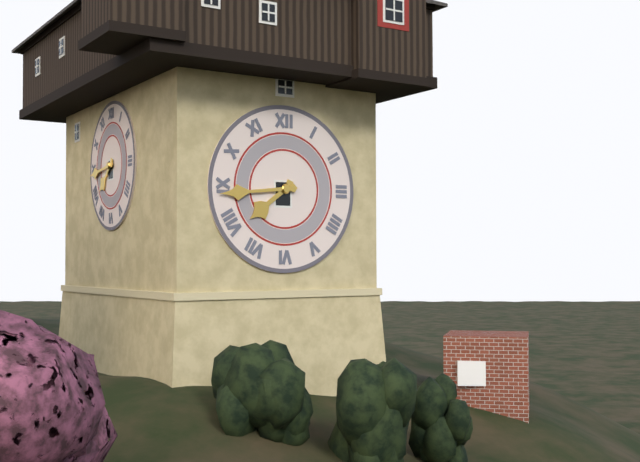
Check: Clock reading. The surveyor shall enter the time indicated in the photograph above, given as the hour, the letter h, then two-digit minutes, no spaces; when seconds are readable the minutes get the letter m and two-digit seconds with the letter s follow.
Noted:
7h44
